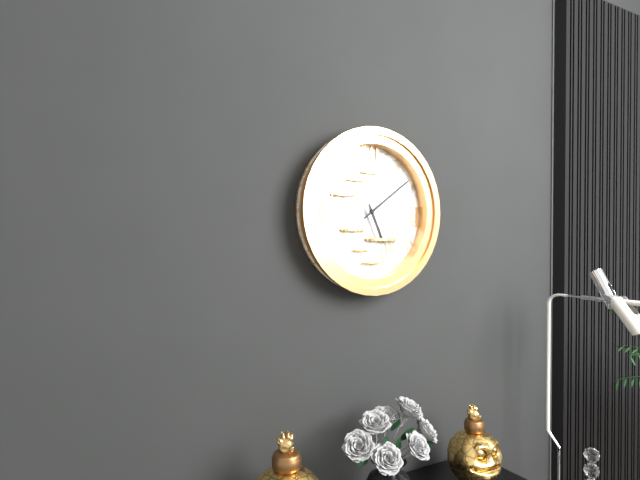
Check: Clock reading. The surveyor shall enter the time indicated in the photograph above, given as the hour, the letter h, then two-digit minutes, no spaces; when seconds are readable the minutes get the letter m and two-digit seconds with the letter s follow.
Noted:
5h09
